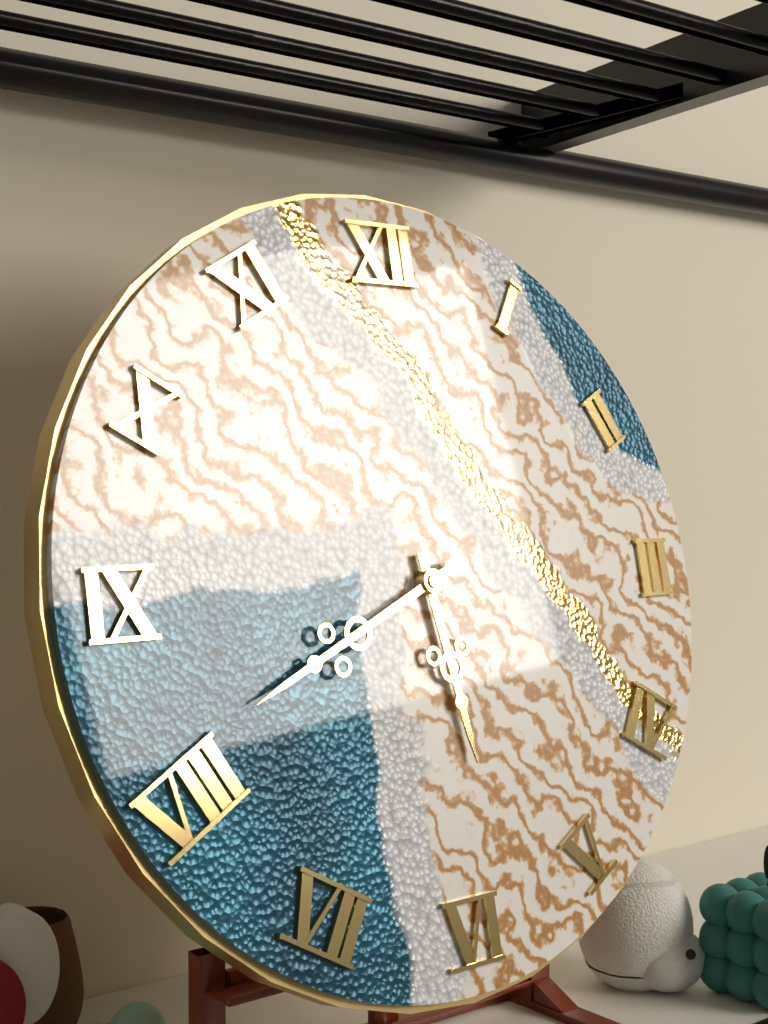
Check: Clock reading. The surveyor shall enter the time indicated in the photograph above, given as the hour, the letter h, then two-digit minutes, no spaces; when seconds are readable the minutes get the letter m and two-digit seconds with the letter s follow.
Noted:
5h41
